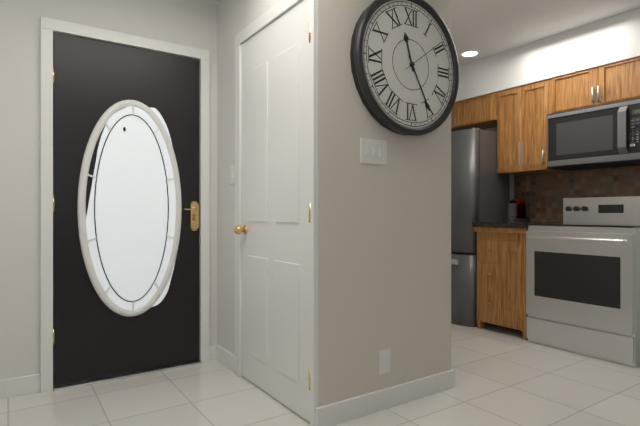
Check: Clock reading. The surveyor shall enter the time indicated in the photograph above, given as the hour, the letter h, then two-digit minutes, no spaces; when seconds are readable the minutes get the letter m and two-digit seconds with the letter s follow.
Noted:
11h25
